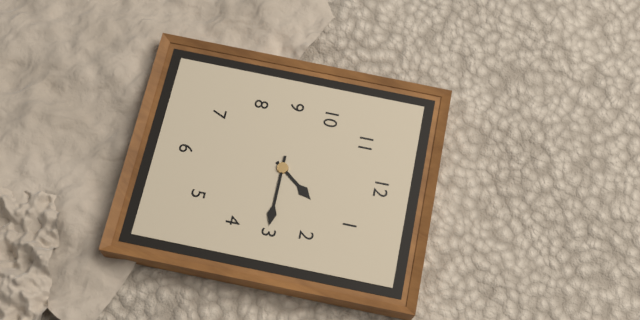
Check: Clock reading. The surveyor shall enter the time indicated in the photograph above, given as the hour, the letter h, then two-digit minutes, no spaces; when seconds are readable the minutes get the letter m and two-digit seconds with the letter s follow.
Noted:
1h15
